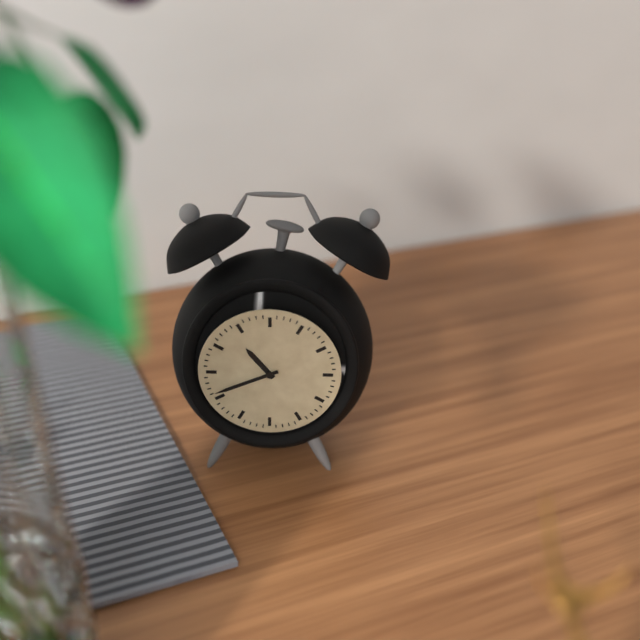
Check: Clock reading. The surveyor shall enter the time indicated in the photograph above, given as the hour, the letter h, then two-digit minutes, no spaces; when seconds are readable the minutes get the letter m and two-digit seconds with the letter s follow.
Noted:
10h41
